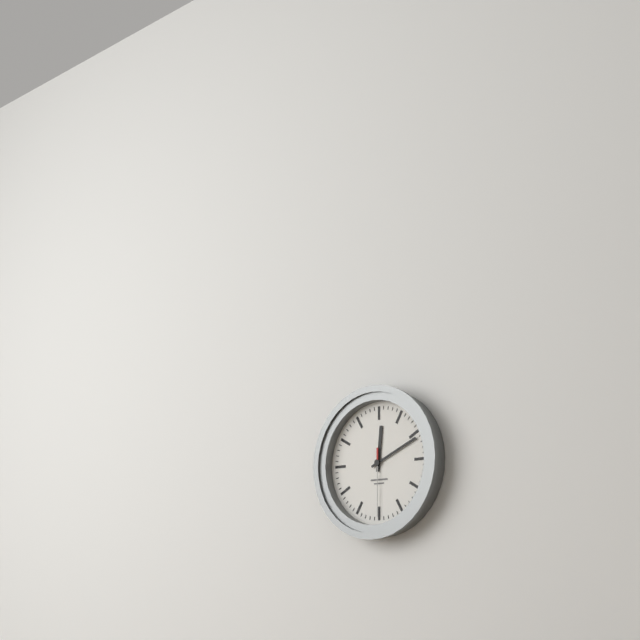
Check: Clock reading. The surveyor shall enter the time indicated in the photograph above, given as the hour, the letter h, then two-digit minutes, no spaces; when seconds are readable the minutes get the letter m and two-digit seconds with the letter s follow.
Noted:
12h11m30s
